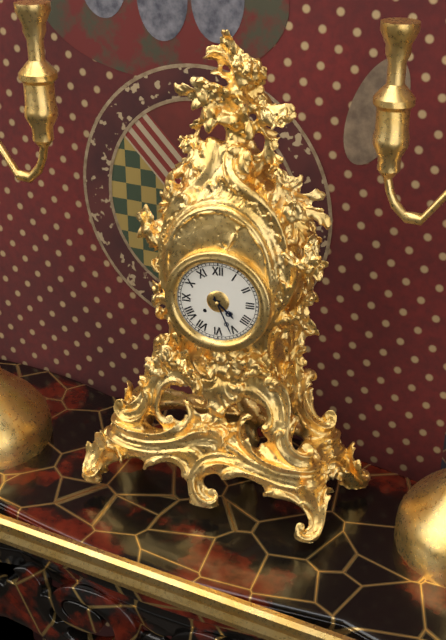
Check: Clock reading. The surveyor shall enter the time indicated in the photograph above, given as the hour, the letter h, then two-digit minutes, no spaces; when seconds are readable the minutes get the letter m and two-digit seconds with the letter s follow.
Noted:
4h26
